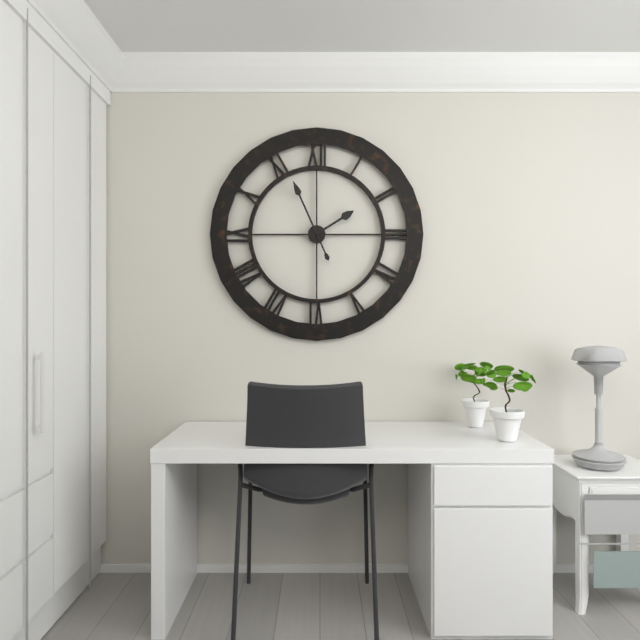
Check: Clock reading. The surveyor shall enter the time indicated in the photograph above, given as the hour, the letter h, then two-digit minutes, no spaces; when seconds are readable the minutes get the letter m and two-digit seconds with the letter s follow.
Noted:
1h56
